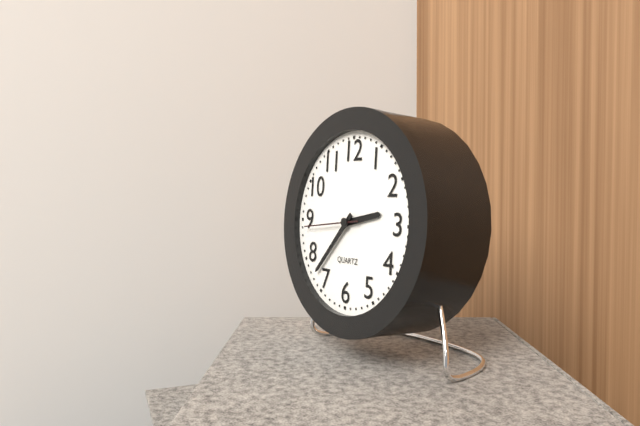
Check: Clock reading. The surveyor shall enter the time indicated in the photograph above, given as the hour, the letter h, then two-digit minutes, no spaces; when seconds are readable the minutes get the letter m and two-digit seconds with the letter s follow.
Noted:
2h37m44s
